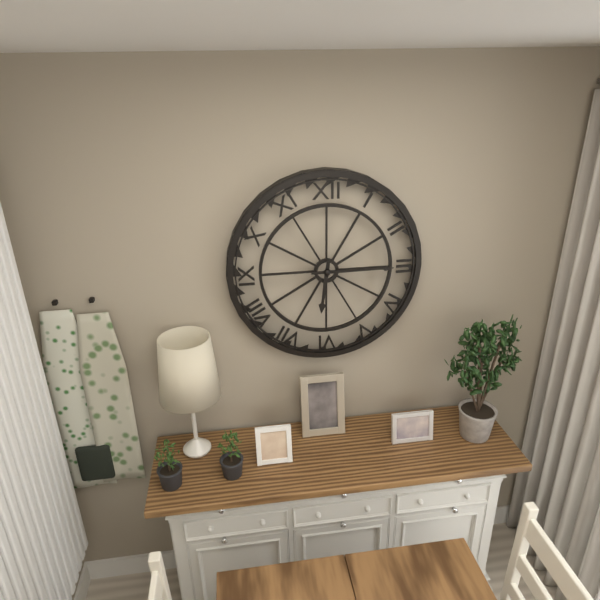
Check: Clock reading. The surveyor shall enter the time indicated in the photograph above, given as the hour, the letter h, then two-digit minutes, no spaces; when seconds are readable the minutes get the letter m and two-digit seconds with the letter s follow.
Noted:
6h15
